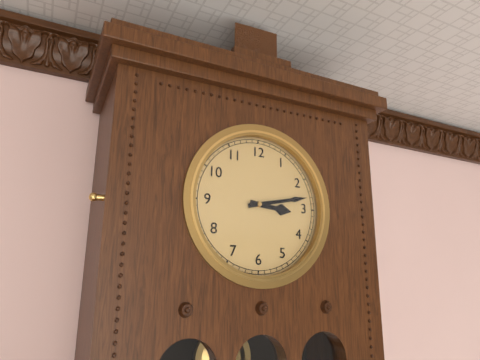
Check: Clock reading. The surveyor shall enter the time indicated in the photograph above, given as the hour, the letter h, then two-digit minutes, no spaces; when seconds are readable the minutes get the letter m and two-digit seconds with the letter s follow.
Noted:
3h13
